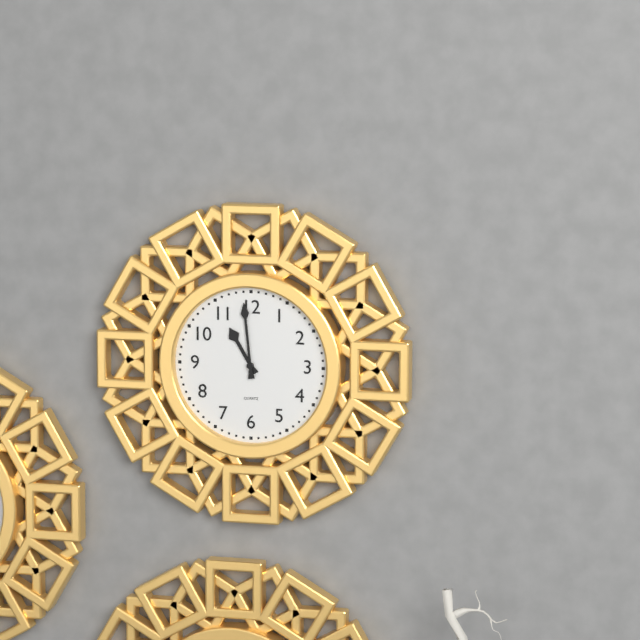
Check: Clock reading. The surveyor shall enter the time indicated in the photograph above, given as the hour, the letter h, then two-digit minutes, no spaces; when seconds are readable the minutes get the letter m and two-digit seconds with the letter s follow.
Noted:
10h59
